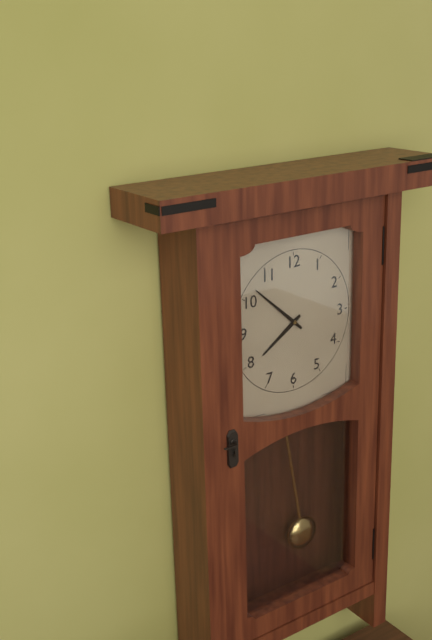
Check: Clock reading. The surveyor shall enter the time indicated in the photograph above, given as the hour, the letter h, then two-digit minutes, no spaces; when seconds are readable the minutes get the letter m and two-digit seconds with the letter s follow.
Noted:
7h52
